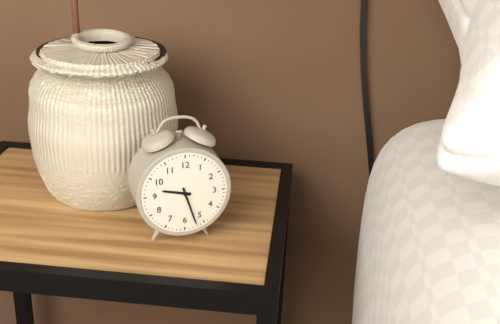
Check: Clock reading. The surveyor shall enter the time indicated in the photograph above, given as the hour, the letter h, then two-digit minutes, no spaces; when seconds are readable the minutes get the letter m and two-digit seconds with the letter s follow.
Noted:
9h27
